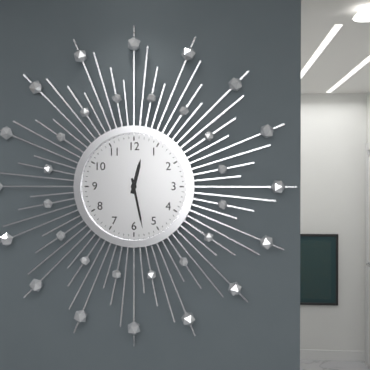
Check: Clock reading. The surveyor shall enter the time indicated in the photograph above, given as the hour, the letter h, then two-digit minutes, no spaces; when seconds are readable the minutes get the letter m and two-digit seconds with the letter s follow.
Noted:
12h28
